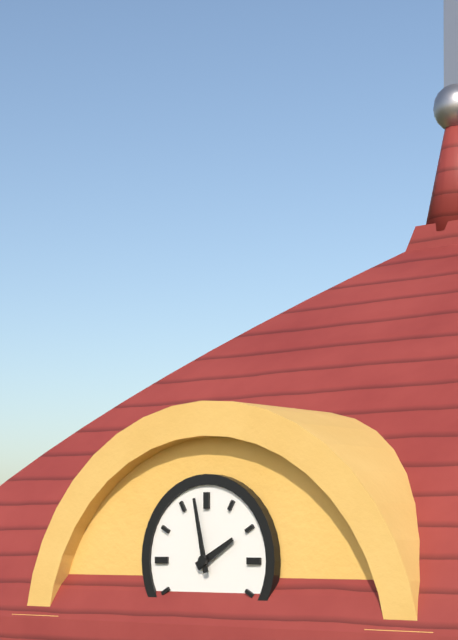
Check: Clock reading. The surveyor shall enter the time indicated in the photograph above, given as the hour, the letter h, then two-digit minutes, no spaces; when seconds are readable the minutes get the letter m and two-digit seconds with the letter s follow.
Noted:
1h58
